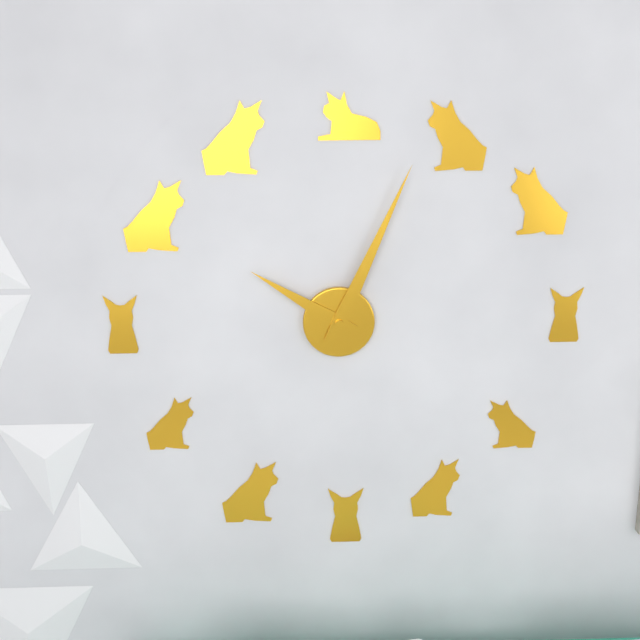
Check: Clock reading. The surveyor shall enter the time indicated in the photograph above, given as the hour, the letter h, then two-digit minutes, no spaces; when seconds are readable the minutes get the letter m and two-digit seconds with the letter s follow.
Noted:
10h04
